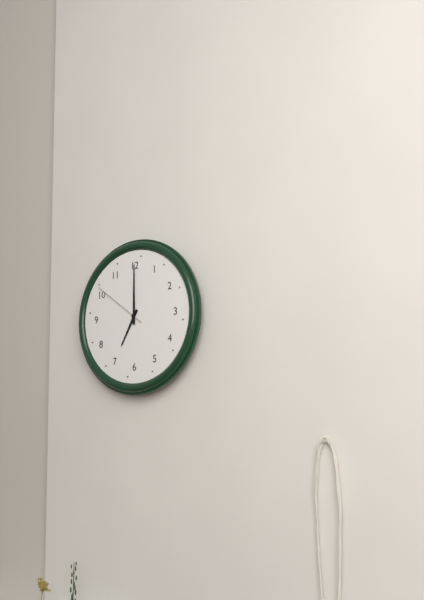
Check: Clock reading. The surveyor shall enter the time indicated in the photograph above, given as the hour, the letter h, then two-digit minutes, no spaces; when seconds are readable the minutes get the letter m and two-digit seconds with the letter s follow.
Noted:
7h00m51s
